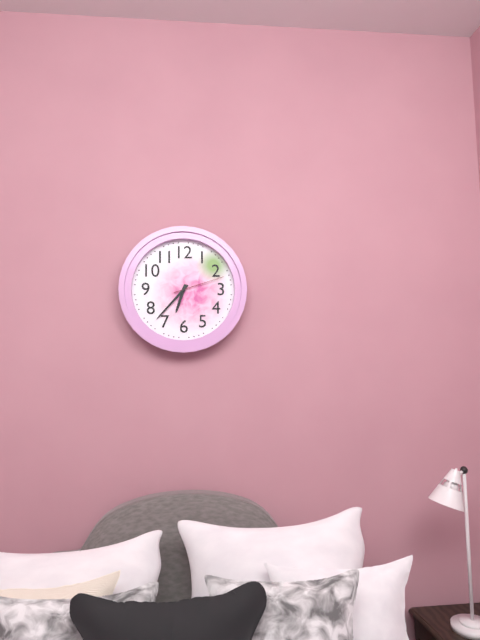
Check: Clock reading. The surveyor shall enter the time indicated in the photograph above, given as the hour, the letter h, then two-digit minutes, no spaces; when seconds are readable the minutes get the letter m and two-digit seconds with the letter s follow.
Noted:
6h37m12s
